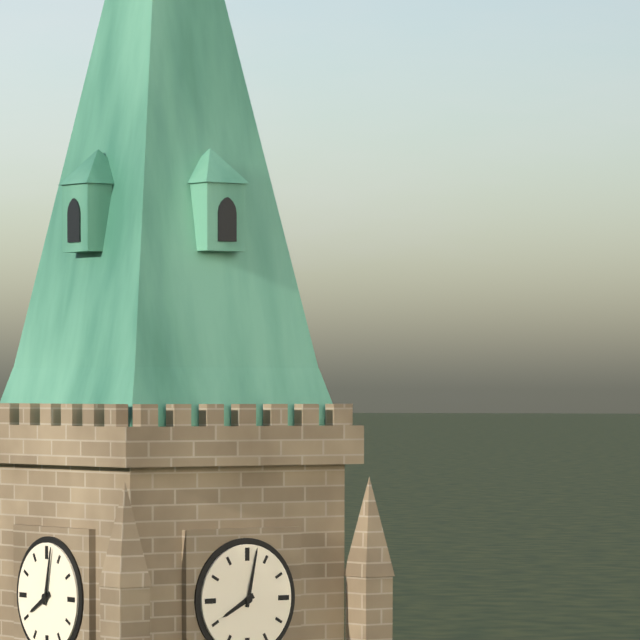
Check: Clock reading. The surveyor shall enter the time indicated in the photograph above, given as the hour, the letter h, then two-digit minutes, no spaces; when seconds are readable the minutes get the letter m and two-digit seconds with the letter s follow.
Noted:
8h02
